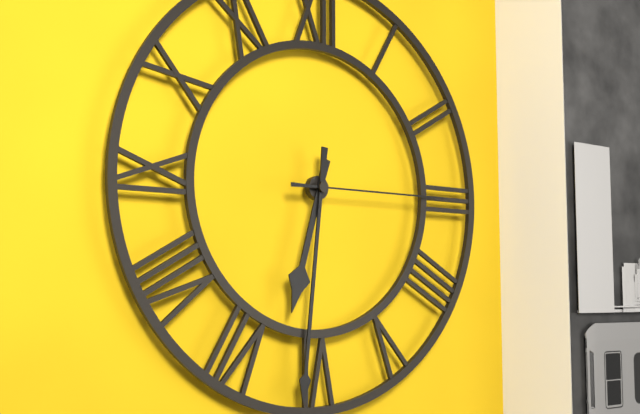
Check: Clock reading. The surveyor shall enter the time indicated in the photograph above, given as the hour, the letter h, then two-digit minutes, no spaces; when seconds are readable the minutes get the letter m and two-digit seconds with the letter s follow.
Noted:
6h31m15s
